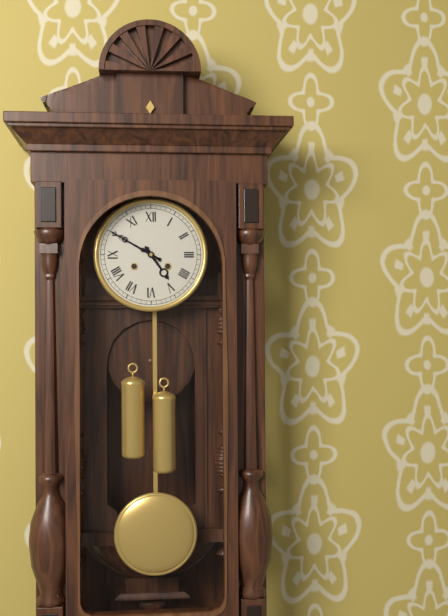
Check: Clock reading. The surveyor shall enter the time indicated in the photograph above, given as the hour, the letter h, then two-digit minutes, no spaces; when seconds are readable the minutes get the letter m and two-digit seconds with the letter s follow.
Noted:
4h50
